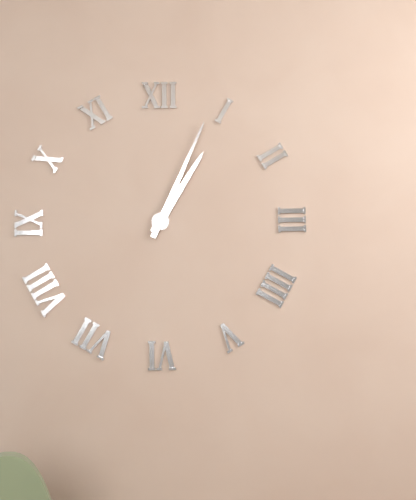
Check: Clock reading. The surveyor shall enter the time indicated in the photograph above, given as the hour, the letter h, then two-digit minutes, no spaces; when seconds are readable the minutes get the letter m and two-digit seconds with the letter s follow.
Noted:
1h04
